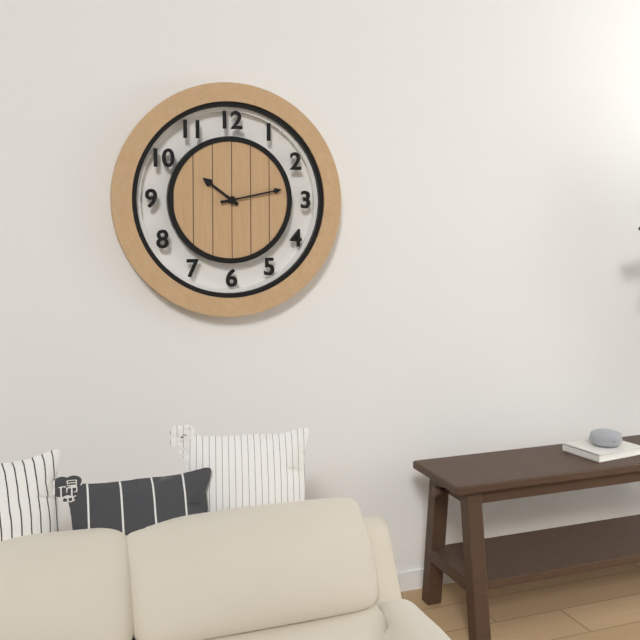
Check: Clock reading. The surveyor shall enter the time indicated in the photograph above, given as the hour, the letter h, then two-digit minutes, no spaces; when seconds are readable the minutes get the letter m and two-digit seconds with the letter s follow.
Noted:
10h13
